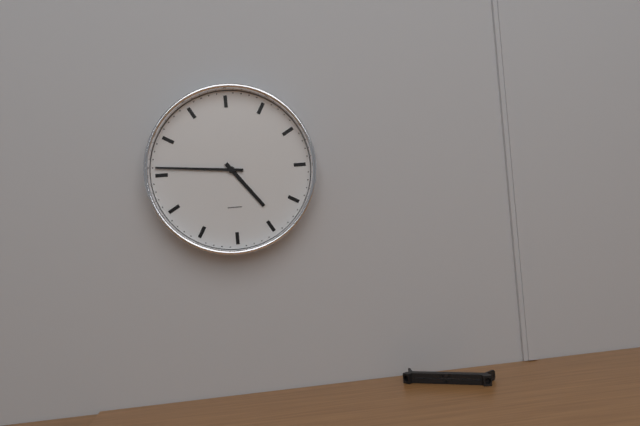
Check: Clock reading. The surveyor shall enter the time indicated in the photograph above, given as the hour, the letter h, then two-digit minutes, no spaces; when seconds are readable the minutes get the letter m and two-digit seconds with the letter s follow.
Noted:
4h46
